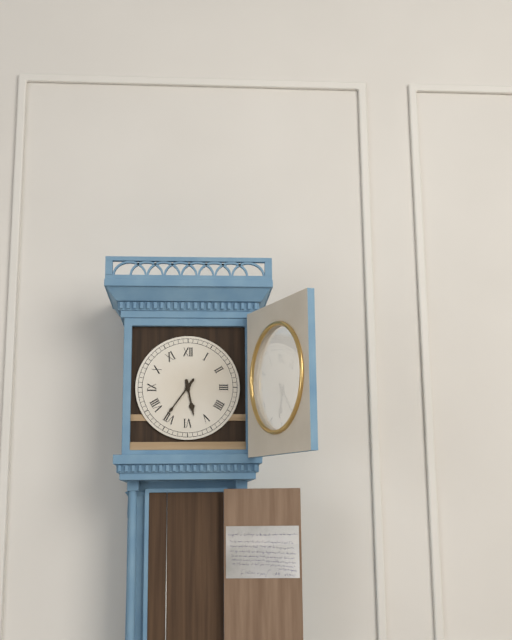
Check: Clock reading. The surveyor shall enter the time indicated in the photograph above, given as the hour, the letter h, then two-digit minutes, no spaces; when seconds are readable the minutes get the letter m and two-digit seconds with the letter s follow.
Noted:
5h36
